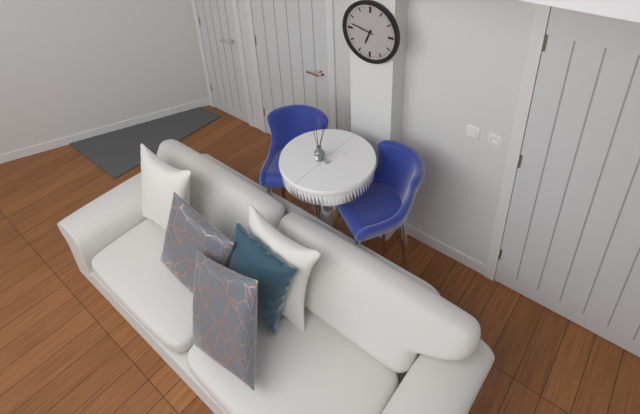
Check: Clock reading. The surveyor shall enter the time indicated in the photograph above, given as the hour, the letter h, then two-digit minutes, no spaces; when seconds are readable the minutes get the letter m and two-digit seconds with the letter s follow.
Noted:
6h47
